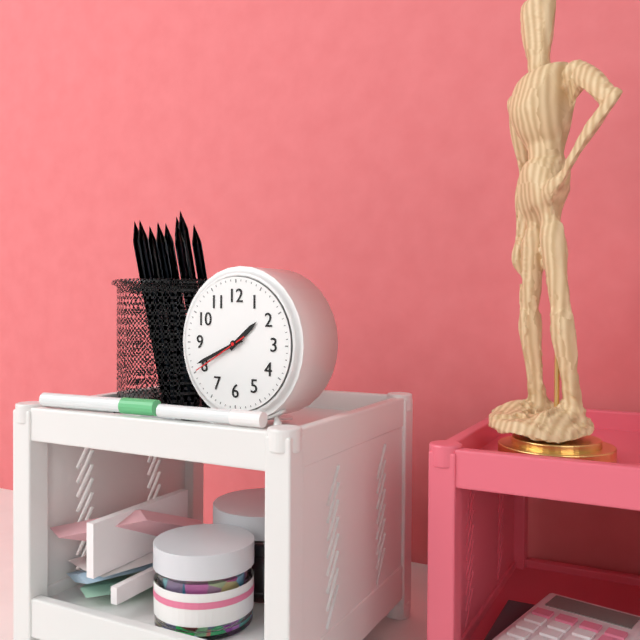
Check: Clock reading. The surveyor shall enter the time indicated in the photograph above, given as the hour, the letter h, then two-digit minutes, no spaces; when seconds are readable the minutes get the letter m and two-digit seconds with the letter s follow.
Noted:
1h41m40s
